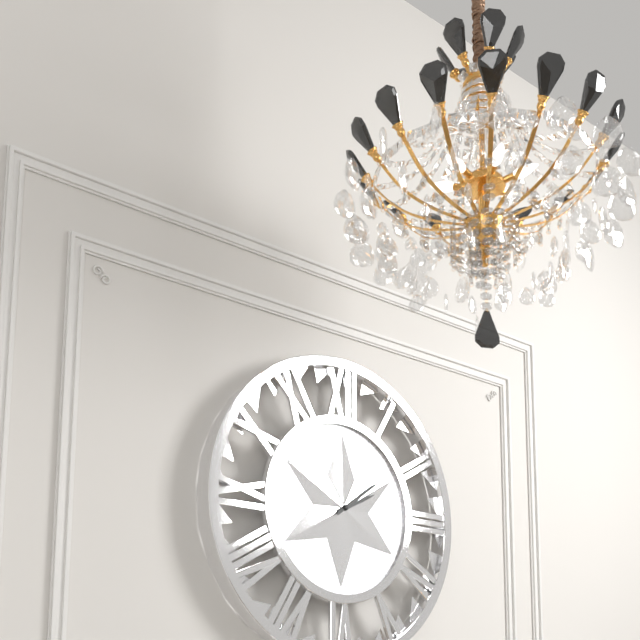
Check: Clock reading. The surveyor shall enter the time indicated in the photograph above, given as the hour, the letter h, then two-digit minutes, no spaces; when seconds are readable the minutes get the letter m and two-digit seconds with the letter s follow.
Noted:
2h09
